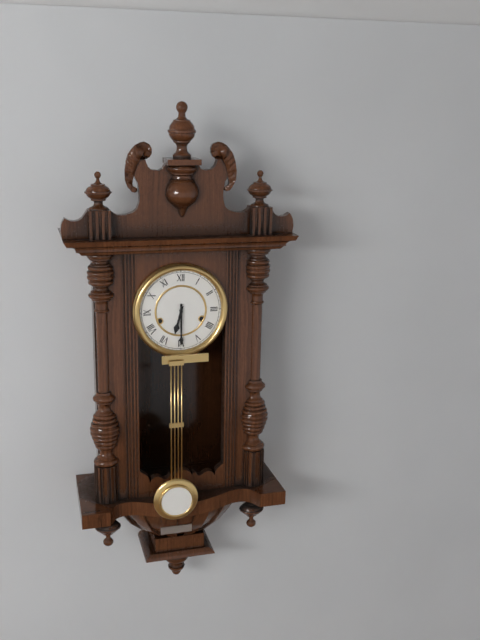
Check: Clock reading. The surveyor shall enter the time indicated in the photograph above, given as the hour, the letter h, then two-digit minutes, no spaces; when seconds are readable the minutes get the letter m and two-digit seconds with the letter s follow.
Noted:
6h30
